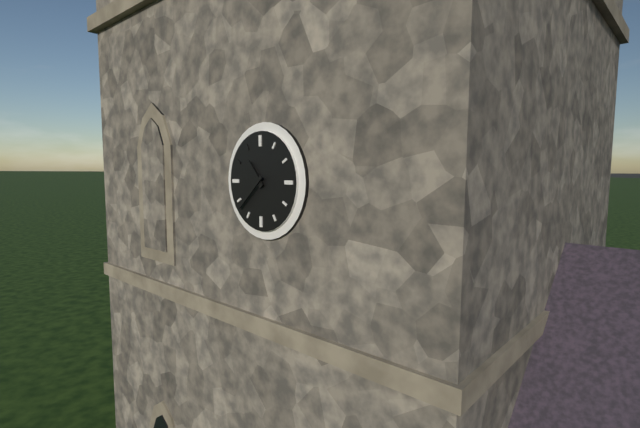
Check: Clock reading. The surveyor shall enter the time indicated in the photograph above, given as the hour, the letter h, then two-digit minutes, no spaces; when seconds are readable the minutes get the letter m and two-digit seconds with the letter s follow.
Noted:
10h38
